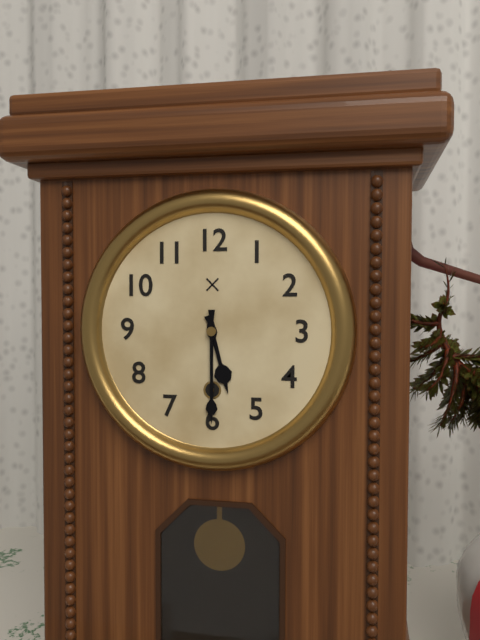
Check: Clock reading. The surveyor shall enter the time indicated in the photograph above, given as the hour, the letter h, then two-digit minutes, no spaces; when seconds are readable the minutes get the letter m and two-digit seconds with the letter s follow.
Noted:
5h30
